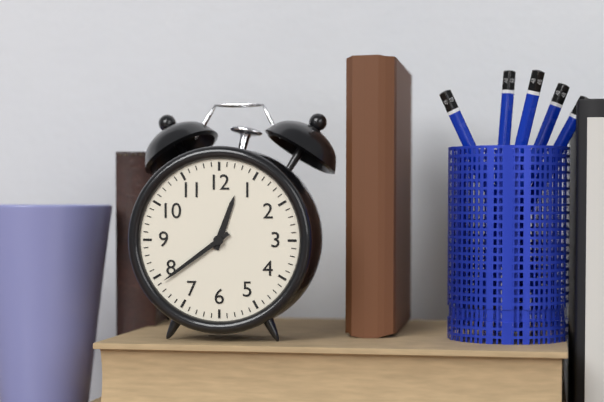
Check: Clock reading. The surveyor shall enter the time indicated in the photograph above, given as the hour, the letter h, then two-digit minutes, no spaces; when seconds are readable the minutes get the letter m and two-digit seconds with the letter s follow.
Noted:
12h39
